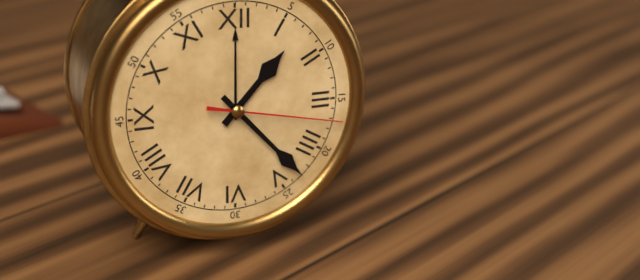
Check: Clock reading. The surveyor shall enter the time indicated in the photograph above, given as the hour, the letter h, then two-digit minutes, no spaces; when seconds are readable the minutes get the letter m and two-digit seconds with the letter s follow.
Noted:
1h23m17s
